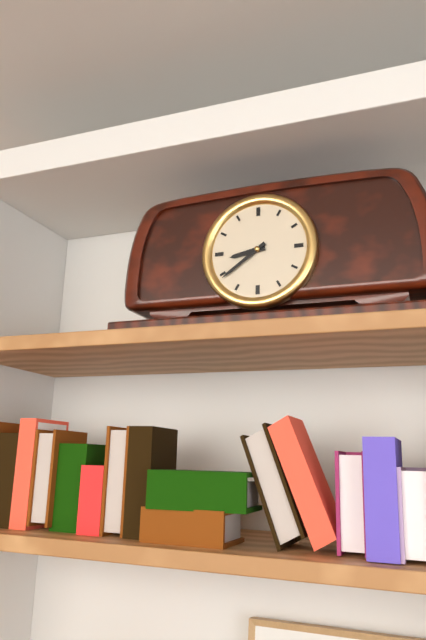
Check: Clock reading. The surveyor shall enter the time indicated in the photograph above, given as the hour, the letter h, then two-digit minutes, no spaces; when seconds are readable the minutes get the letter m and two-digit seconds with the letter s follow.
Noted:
8h39
